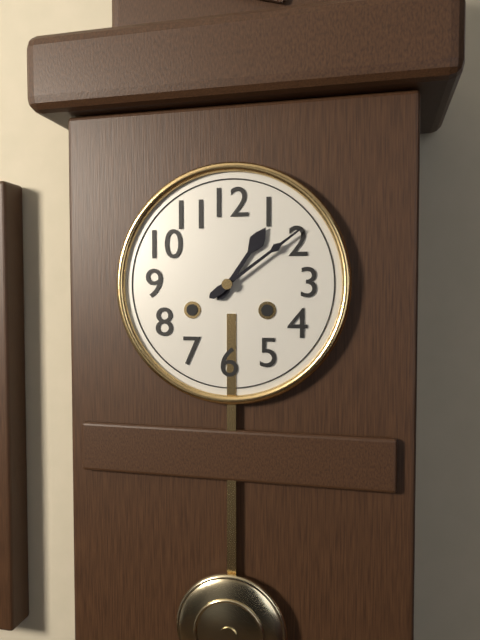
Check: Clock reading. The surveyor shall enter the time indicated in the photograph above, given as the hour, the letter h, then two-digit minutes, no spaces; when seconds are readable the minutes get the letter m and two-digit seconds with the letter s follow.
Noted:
1h09
